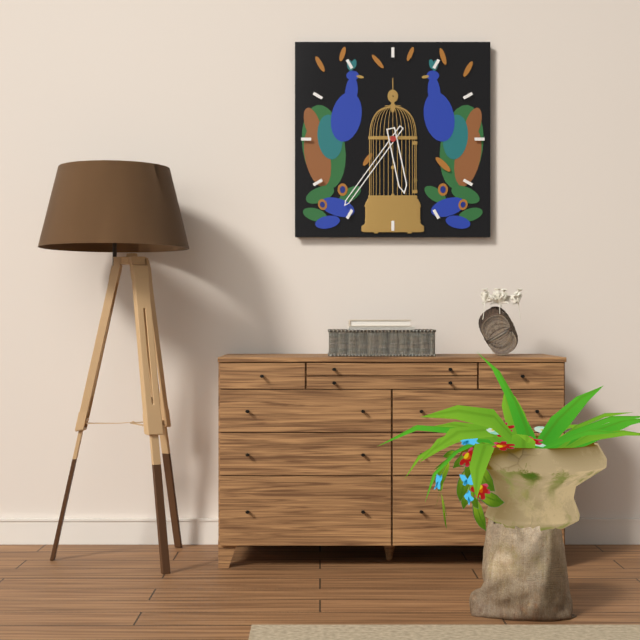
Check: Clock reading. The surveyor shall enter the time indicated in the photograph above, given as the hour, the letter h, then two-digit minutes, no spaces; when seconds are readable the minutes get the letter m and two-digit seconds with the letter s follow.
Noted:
5h36
